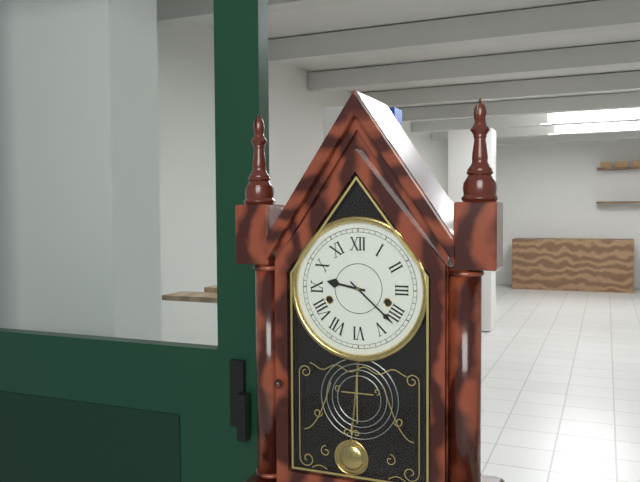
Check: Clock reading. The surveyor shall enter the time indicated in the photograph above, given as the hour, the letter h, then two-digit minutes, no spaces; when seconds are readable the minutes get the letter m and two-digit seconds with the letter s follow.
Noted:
9h22
